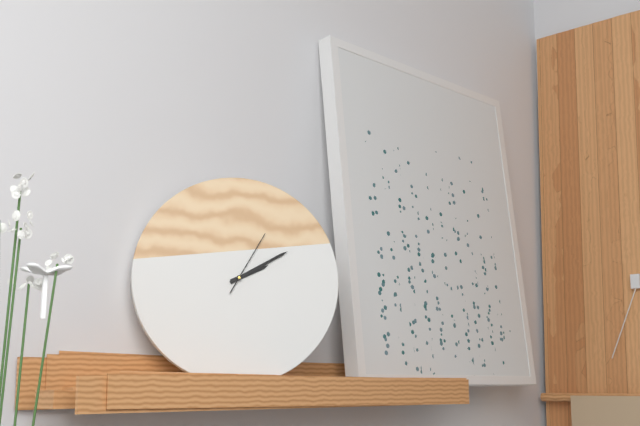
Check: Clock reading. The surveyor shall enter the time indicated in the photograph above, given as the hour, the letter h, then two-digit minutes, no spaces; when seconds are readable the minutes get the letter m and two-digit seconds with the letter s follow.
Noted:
2h10m05s
